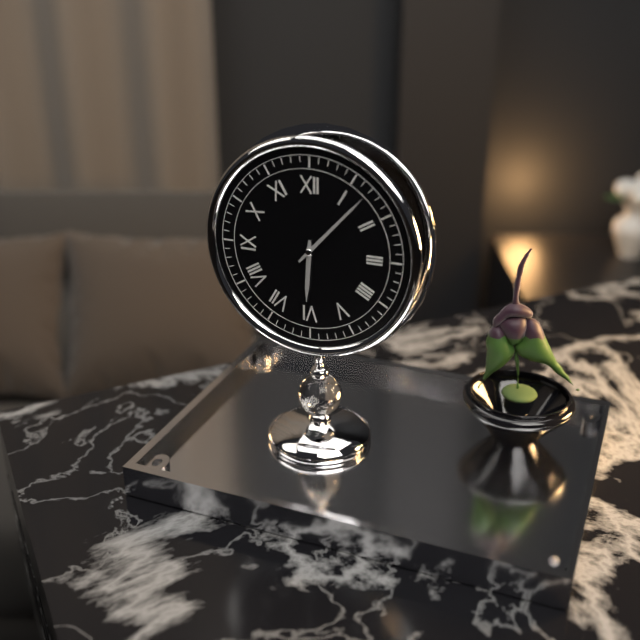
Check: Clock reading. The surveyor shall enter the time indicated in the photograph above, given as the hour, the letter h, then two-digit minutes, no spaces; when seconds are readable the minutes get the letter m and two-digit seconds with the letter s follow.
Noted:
6h07
